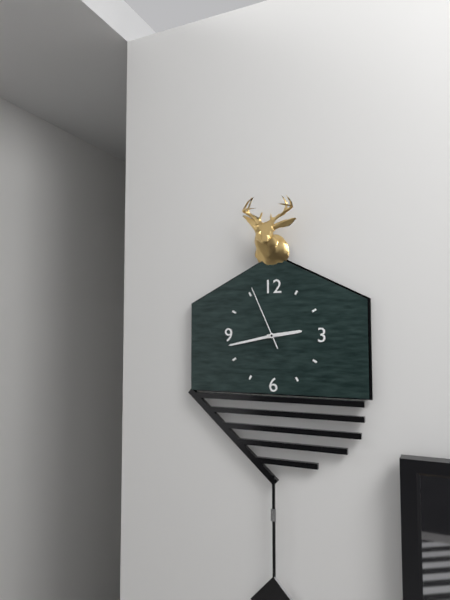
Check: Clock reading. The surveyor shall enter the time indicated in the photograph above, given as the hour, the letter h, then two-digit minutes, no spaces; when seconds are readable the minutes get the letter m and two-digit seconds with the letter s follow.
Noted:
2h43m56s
